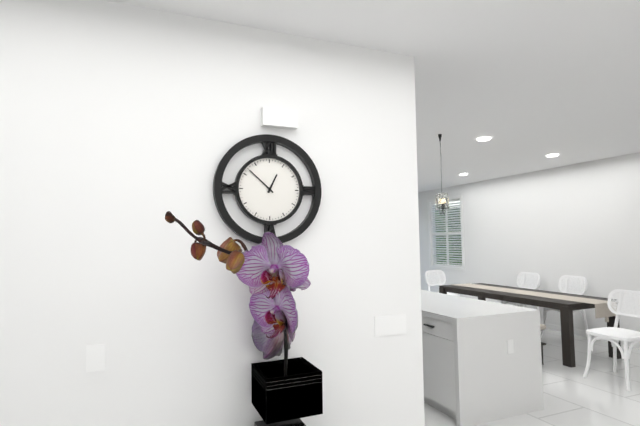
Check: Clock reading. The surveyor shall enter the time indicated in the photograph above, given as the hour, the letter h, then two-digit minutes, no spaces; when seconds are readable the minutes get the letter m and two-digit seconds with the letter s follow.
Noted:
12h52
